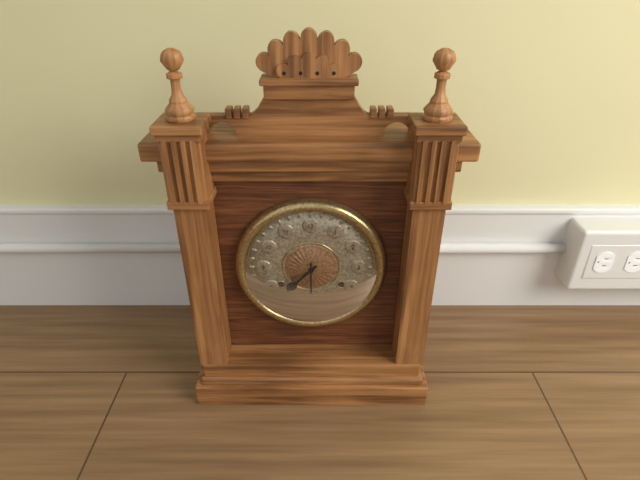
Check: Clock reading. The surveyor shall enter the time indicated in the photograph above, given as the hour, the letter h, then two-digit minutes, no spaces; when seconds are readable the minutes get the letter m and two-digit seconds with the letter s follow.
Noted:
7h30
